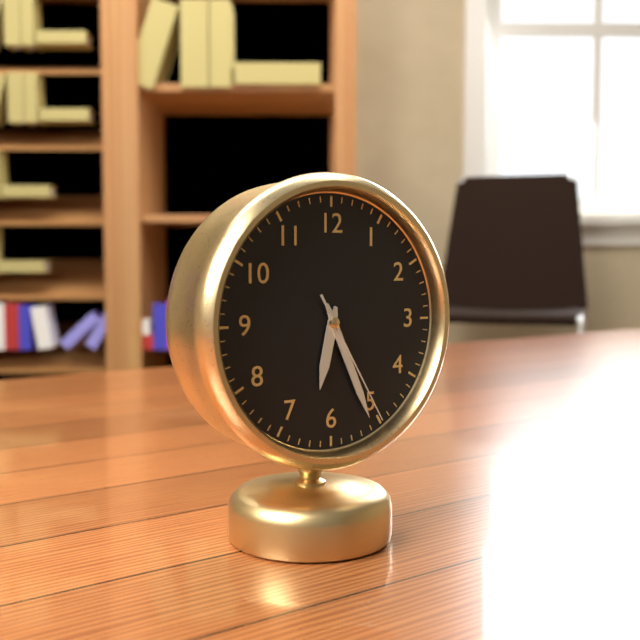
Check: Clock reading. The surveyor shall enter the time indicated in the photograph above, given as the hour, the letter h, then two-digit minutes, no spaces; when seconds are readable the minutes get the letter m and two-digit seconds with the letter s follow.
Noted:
6h26m25s
